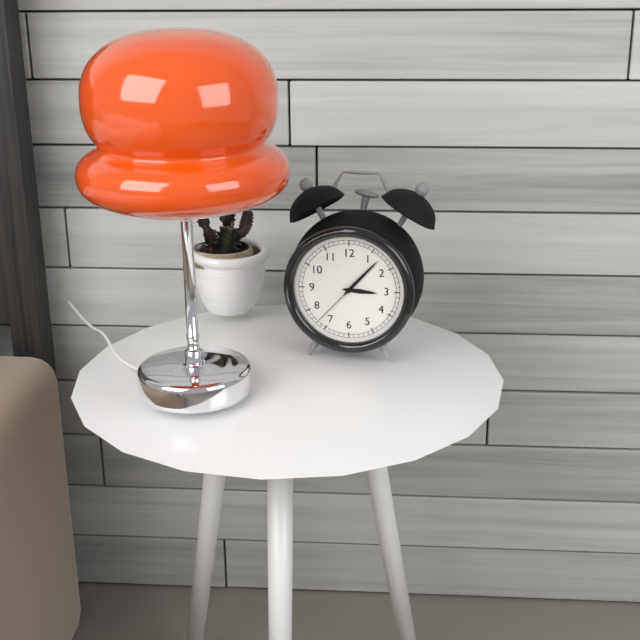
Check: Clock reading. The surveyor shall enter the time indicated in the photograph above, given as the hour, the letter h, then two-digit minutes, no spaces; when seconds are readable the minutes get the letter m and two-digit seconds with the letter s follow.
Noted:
3h07m37s
